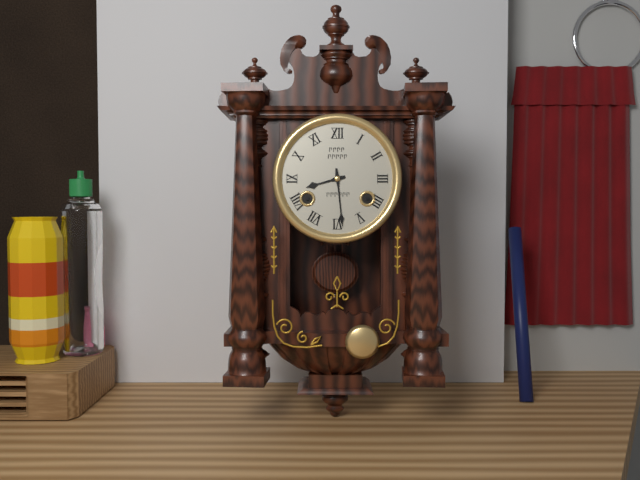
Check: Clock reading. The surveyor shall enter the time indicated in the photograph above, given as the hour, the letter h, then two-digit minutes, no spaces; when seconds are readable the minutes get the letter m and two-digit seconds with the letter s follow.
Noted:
8h29
